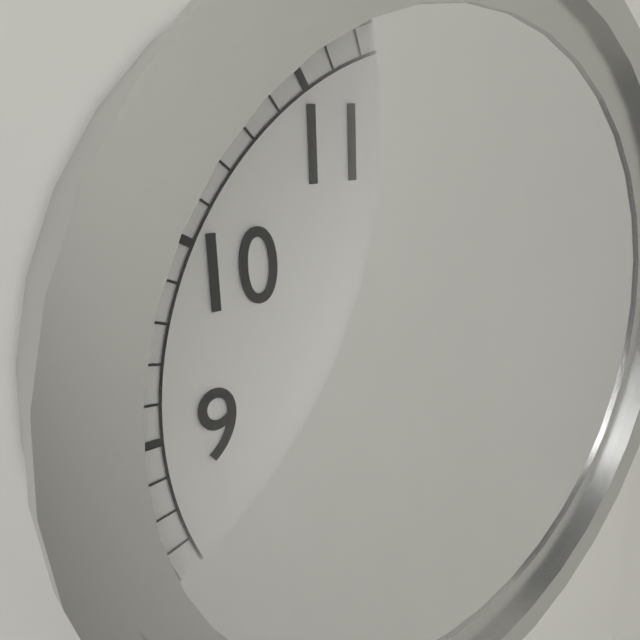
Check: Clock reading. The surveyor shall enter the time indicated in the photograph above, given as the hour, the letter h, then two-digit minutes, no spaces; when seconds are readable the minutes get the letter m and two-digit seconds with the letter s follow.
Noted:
11h31
